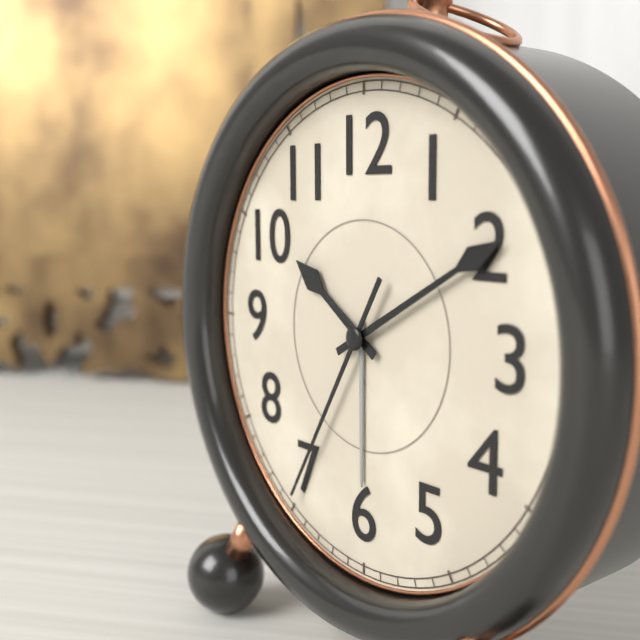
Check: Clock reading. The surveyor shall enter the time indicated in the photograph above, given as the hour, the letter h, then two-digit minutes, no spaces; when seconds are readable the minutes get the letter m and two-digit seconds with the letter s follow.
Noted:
10h10m35s
